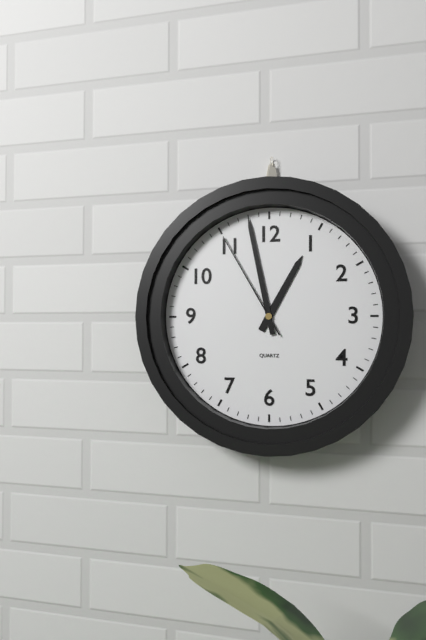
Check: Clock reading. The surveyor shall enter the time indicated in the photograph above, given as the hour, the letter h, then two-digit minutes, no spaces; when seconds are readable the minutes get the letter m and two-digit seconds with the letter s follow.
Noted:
12h58m55s
